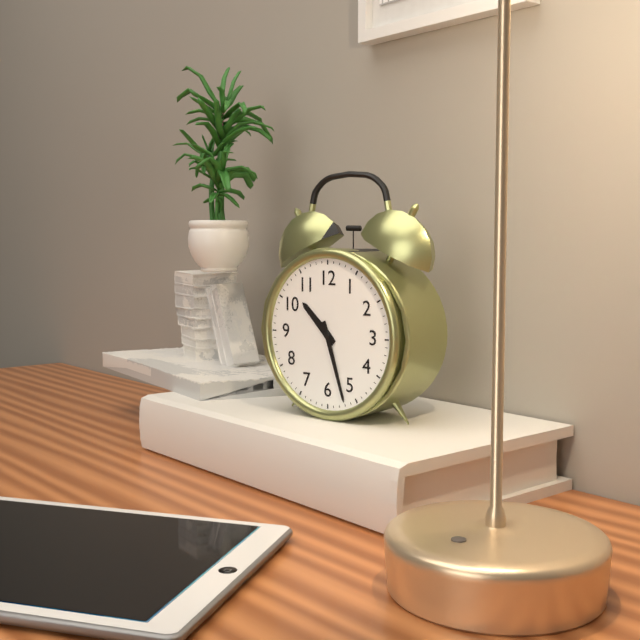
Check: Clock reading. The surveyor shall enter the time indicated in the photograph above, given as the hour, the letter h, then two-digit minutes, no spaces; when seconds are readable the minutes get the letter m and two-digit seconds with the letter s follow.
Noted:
10h27
